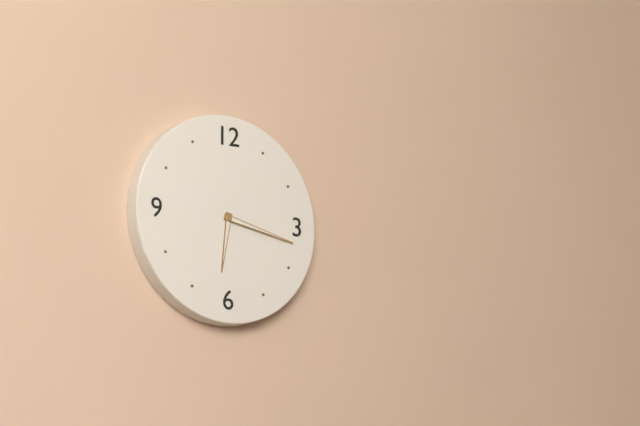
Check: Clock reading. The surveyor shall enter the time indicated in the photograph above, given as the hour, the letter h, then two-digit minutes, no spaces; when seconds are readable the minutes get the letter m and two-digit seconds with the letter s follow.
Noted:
6h17
